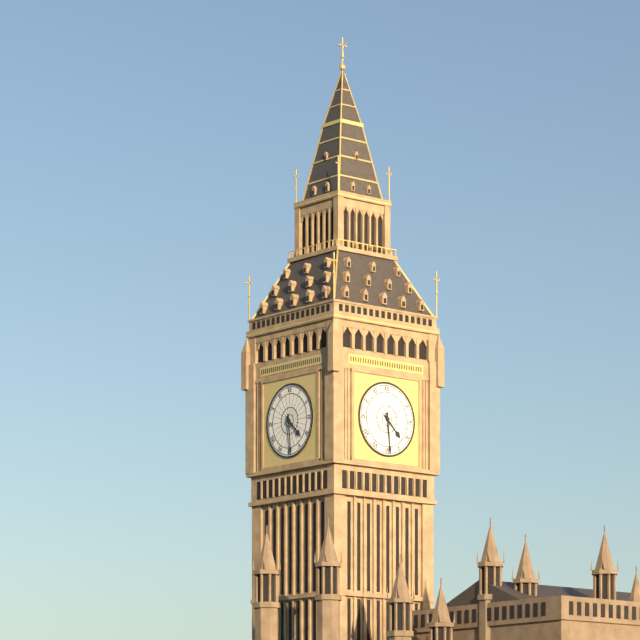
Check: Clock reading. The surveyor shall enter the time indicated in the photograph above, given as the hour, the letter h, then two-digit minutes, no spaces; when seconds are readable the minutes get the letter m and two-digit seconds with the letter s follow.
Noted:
4h29
